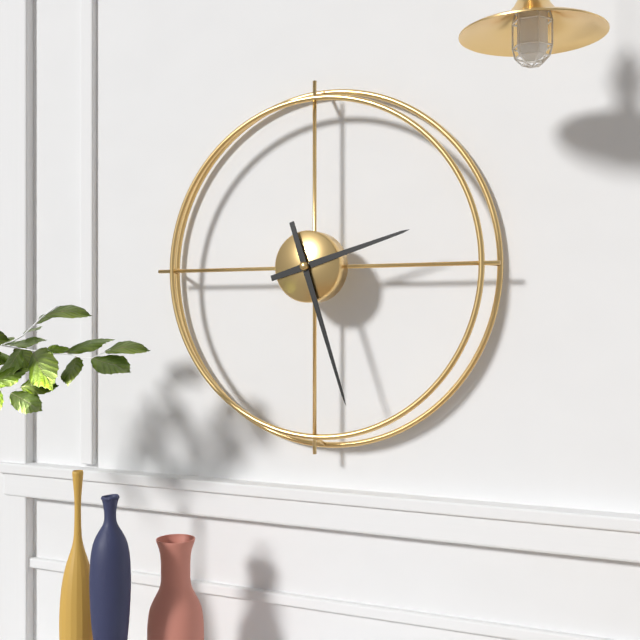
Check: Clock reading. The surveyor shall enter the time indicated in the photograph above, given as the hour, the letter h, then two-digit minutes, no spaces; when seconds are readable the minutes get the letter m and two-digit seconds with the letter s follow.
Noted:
2h27
